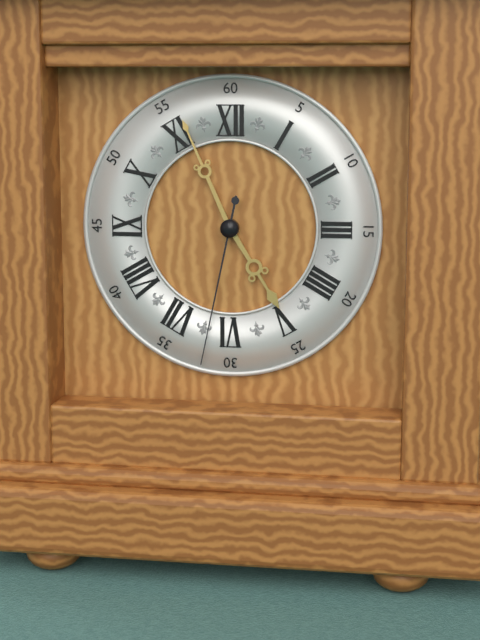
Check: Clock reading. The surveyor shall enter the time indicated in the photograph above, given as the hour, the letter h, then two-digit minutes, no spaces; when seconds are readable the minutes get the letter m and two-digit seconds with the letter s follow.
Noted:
4h56m32s
